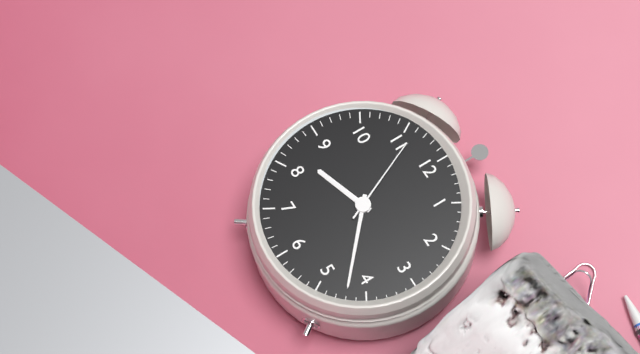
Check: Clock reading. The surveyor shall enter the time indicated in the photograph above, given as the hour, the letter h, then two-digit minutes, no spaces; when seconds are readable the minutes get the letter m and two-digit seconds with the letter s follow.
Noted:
8h22m56s
